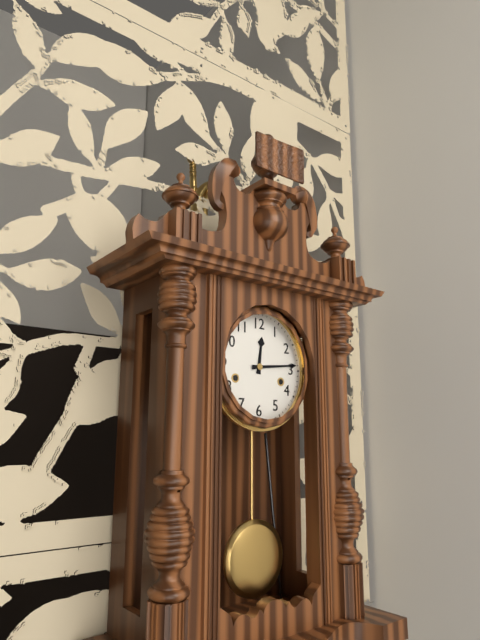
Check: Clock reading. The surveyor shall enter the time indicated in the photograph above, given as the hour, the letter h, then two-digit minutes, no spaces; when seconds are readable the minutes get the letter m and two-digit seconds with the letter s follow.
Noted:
12h14
